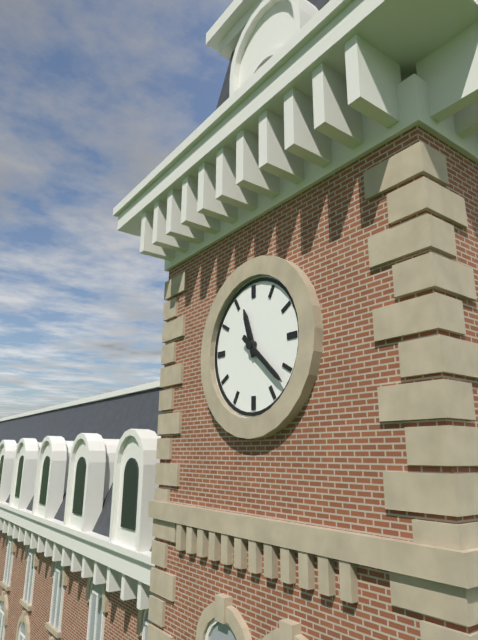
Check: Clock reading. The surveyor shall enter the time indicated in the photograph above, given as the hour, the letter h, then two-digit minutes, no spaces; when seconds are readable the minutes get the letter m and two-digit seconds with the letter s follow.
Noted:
11h22
